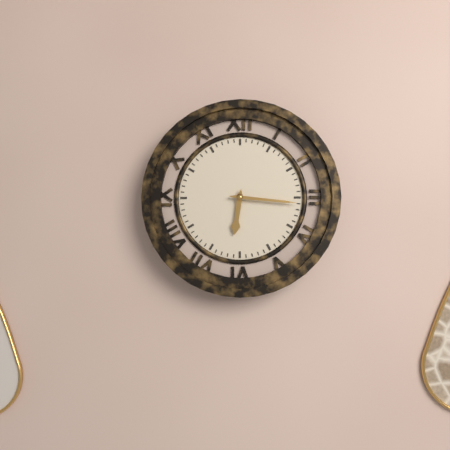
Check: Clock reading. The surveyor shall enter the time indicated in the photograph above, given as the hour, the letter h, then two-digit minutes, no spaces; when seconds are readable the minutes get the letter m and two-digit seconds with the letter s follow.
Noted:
6h16
